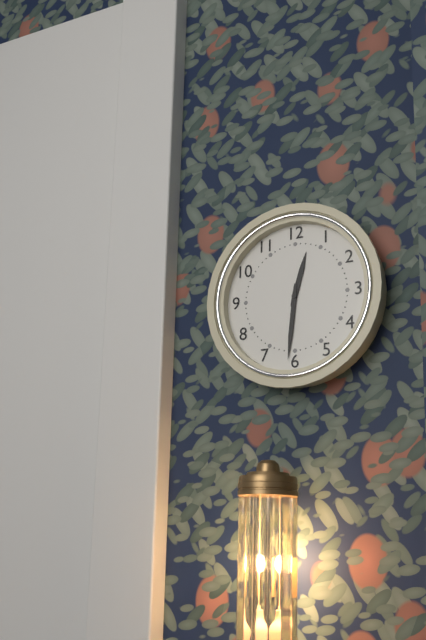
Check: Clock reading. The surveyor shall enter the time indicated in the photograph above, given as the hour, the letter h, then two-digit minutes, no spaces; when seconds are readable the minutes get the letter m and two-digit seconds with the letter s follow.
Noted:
12h31
